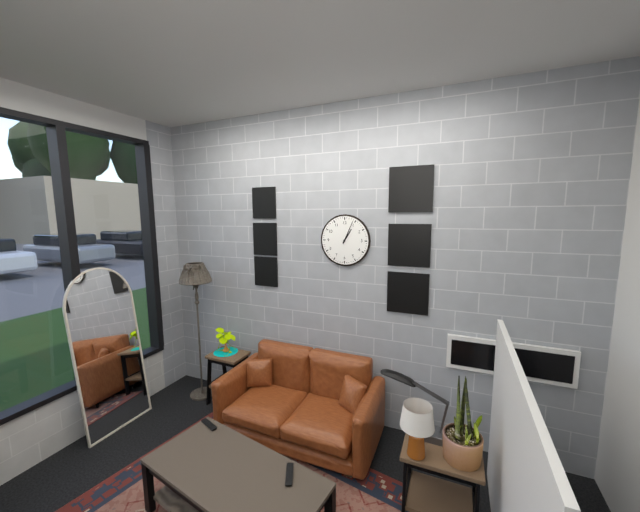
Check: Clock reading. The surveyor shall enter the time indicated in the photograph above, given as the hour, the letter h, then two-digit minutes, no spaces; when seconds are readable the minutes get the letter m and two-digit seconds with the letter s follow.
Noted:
1h04
